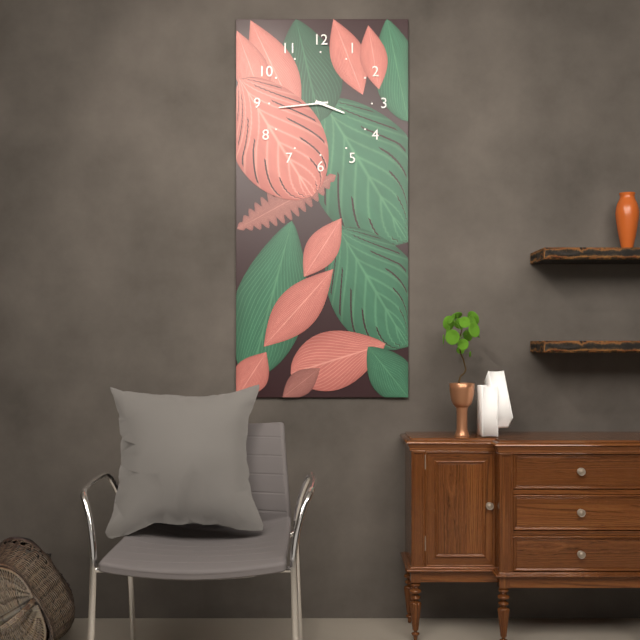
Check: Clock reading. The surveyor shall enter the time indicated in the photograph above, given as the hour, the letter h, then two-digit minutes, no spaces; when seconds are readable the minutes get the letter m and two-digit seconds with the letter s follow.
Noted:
3h44
